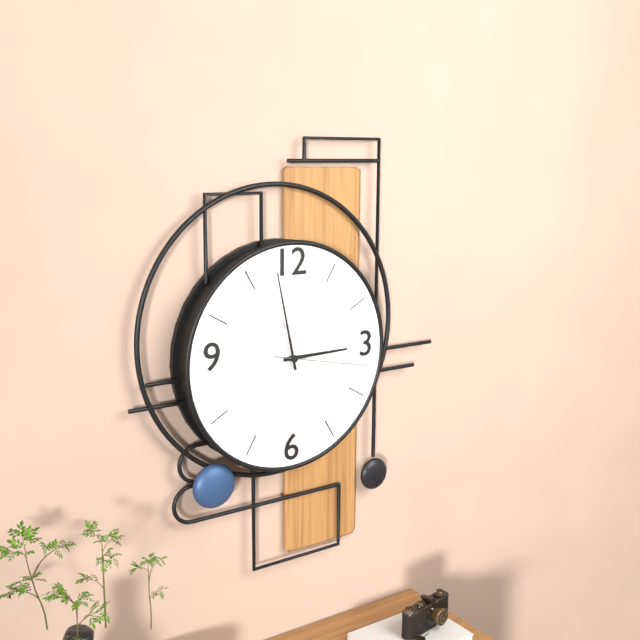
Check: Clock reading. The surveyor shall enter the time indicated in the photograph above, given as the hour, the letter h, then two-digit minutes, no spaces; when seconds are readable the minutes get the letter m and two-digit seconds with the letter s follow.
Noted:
2h58m17s
